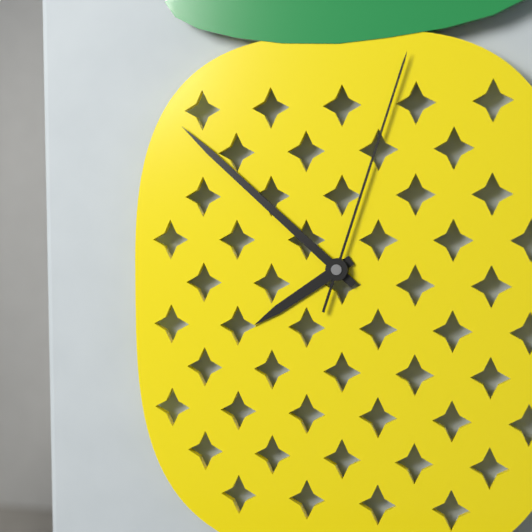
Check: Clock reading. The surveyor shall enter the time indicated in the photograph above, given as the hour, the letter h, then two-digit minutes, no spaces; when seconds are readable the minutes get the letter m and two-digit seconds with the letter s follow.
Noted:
7h52m03s
